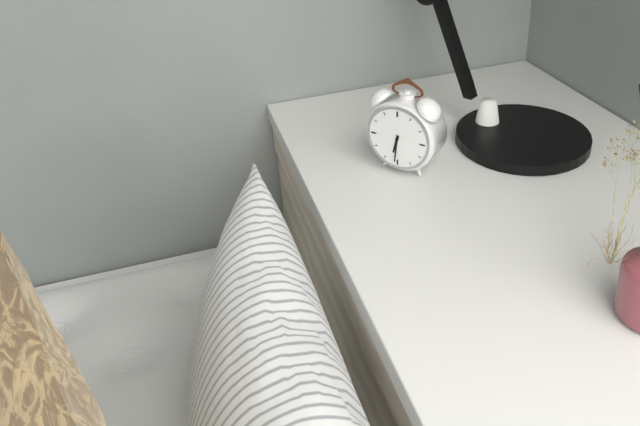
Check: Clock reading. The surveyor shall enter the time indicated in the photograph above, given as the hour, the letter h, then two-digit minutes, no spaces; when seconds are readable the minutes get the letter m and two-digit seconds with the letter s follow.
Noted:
6h31
